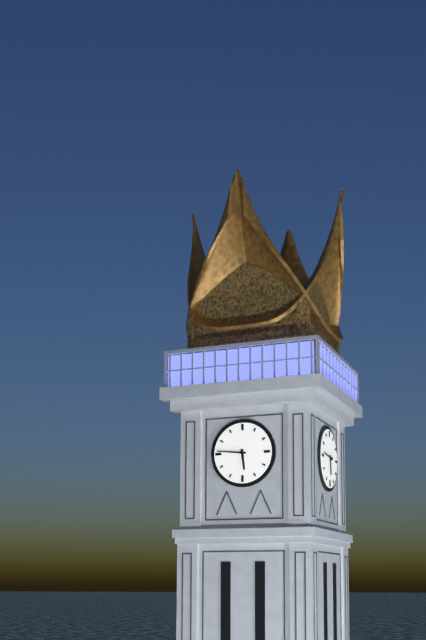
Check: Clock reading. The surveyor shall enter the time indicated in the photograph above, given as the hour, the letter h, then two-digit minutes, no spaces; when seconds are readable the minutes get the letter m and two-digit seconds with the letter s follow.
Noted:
5h46
